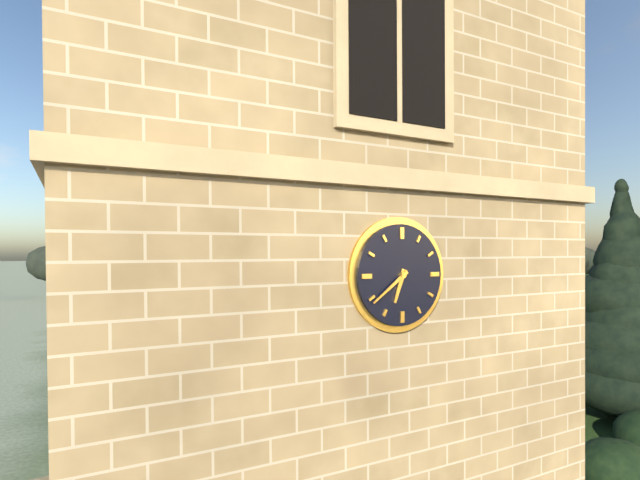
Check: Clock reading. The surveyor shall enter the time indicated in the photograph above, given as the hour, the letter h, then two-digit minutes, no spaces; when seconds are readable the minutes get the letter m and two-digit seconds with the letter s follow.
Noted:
6h39
